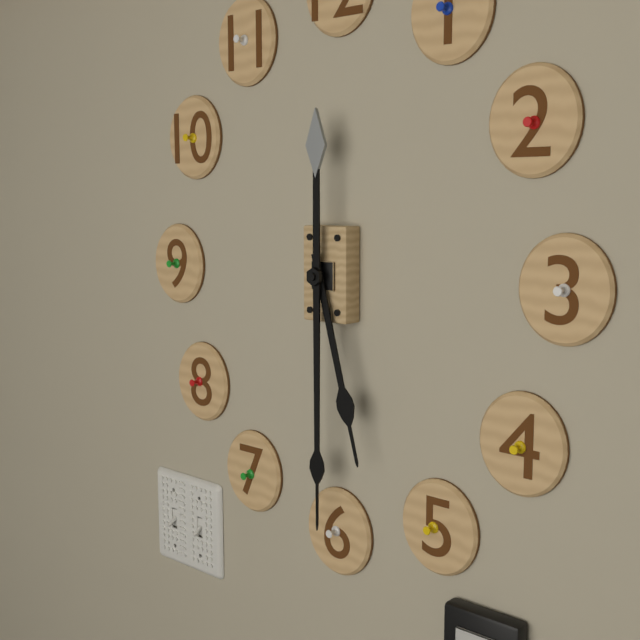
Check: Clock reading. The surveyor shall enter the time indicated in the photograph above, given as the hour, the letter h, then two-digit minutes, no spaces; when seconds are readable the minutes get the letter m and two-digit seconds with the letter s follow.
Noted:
5h30
